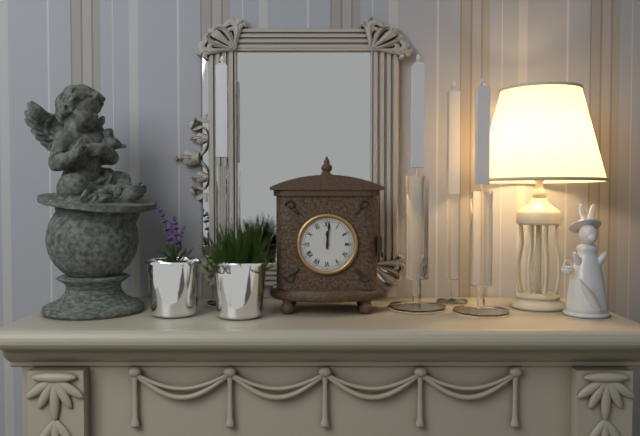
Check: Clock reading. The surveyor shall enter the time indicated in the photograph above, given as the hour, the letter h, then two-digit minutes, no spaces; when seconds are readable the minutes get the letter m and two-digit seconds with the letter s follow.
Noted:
12h01
